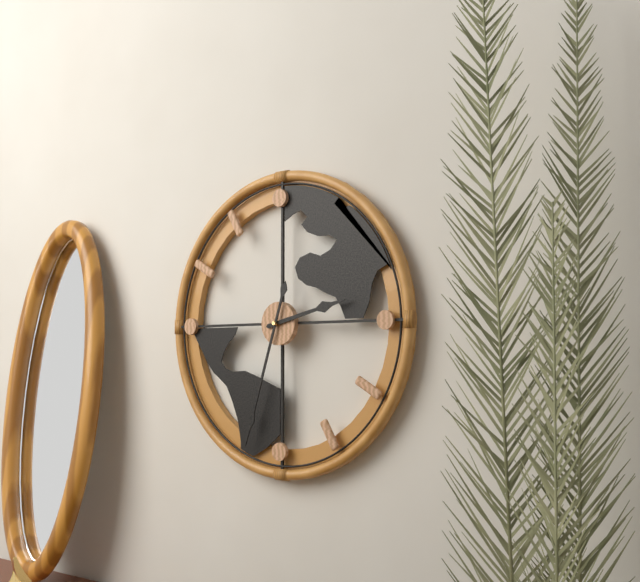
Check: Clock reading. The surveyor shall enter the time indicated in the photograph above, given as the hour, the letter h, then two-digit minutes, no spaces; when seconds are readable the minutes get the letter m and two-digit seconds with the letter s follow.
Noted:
2h33
